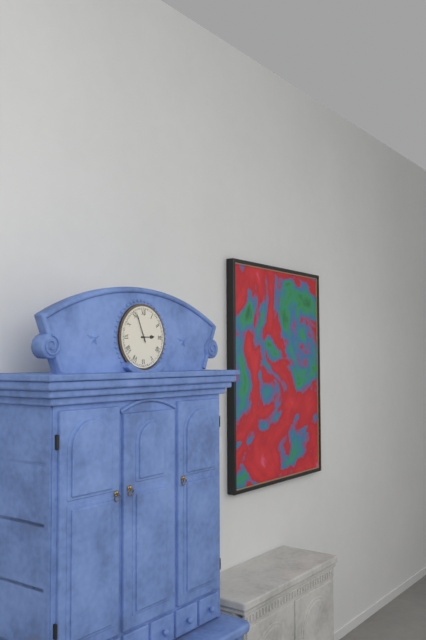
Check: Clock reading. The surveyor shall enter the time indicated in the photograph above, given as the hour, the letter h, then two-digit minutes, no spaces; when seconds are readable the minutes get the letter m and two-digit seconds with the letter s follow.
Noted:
2h56
